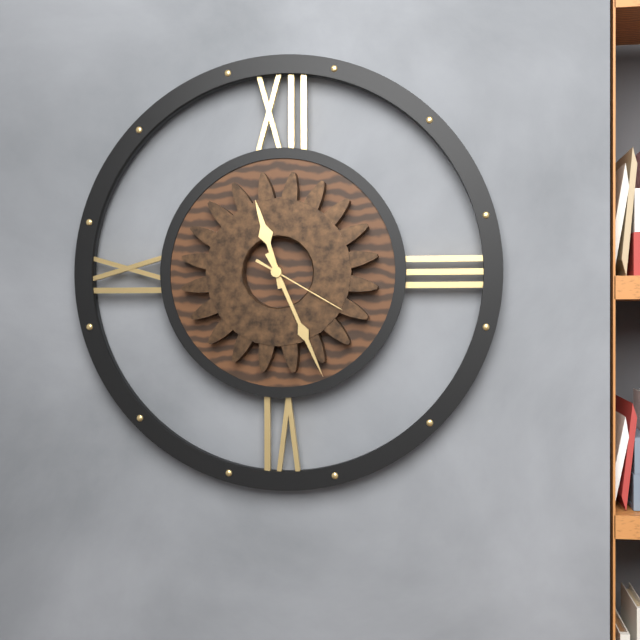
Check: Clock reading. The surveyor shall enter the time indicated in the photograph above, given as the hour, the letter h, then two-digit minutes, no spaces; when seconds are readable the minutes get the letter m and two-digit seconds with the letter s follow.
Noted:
11h26m20s
